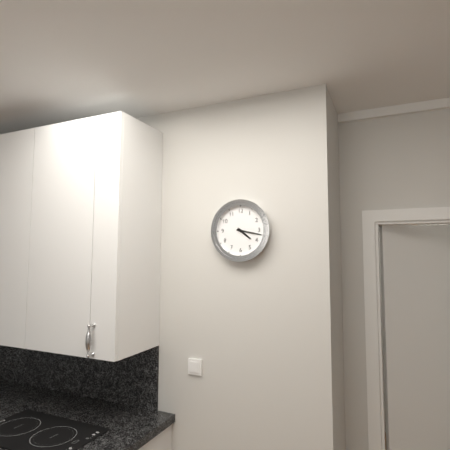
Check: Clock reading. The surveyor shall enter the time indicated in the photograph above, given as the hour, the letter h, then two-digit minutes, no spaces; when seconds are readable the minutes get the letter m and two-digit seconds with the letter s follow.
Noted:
4h17
